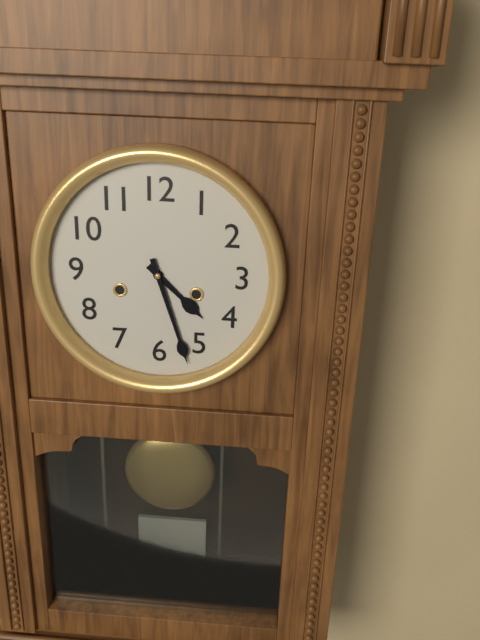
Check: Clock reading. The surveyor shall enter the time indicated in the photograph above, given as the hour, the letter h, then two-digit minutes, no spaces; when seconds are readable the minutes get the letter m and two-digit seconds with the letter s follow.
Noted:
4h27
